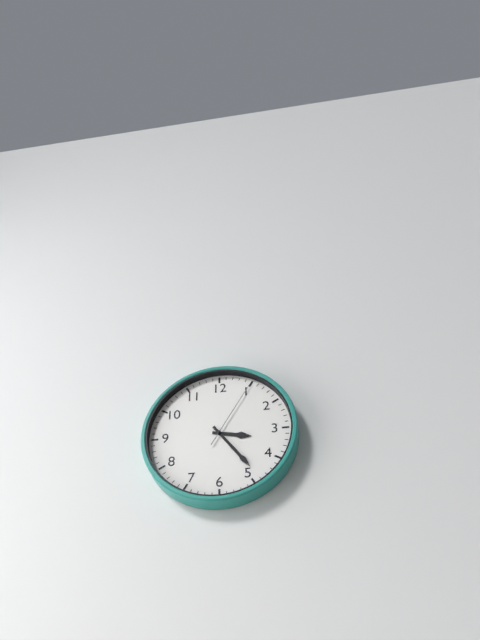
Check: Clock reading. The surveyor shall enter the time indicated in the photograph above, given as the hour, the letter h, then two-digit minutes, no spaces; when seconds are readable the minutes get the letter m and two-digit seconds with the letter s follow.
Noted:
3h24m05s
